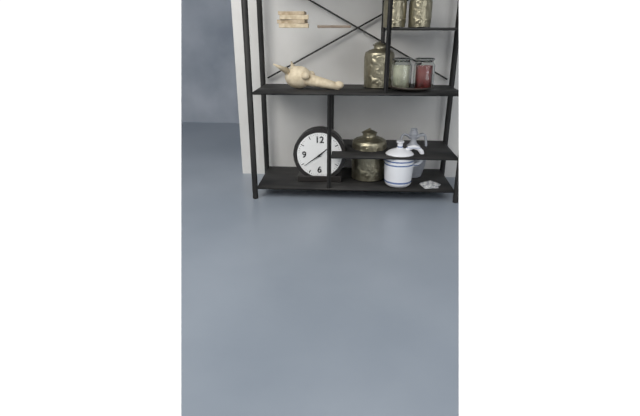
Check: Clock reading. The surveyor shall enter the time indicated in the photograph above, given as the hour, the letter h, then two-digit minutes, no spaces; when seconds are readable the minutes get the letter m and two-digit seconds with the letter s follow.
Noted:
1h39
